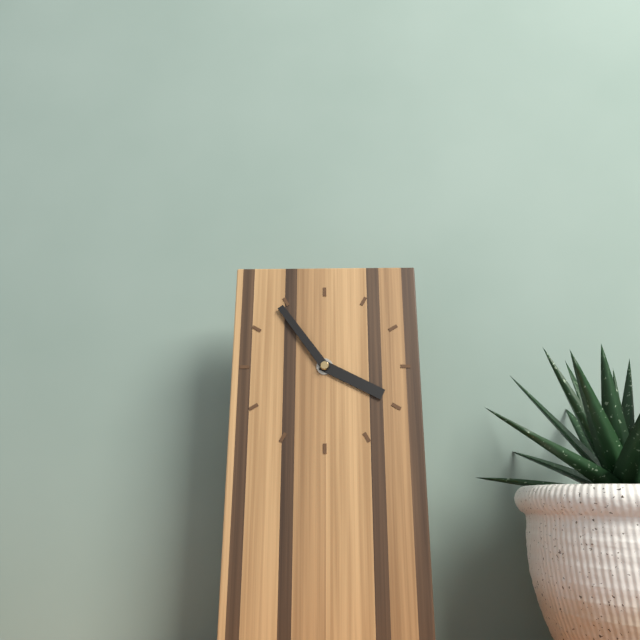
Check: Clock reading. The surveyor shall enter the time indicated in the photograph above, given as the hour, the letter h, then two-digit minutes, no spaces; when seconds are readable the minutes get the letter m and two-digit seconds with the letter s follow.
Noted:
3h54
